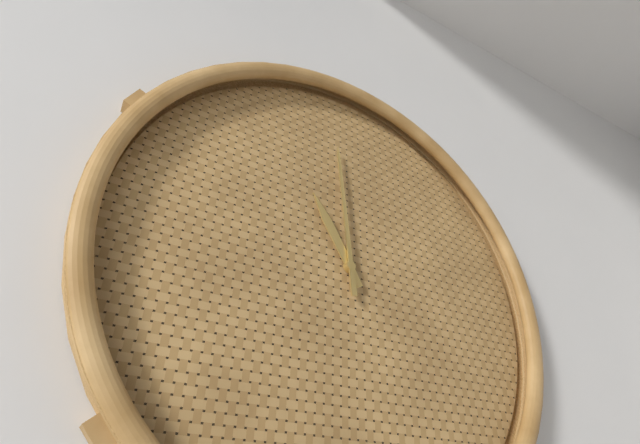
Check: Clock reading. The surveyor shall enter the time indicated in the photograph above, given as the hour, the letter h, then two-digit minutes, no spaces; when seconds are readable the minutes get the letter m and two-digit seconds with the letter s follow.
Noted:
10h59
